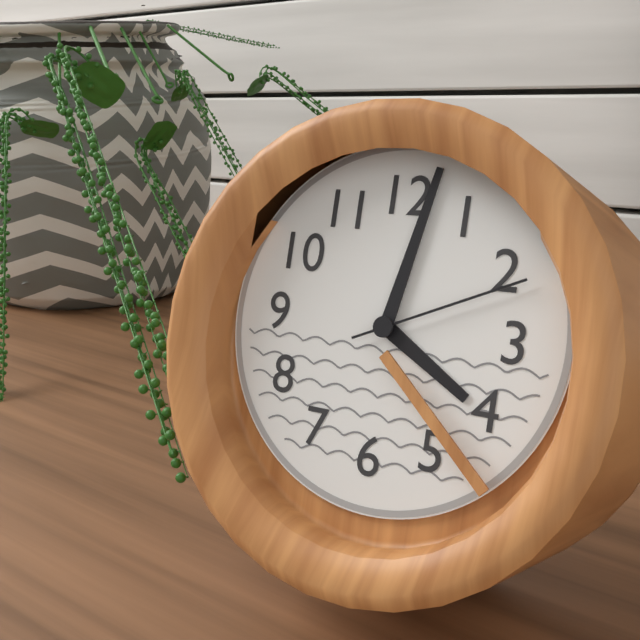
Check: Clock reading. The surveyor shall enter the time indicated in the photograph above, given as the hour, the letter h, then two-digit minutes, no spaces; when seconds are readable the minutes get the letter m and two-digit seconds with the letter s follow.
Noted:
4h02m11s
